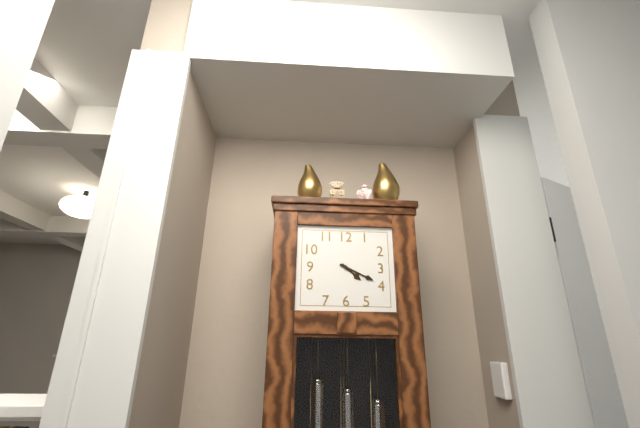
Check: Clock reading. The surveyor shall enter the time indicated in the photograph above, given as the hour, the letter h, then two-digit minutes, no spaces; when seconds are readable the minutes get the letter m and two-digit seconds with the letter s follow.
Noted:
4h19
